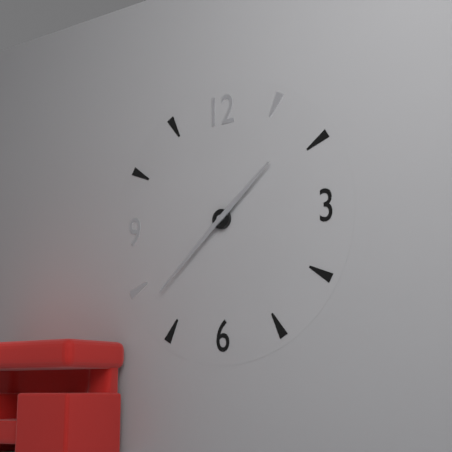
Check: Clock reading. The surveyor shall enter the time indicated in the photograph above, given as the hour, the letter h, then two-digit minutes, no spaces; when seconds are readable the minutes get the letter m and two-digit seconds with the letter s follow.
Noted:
1h38
